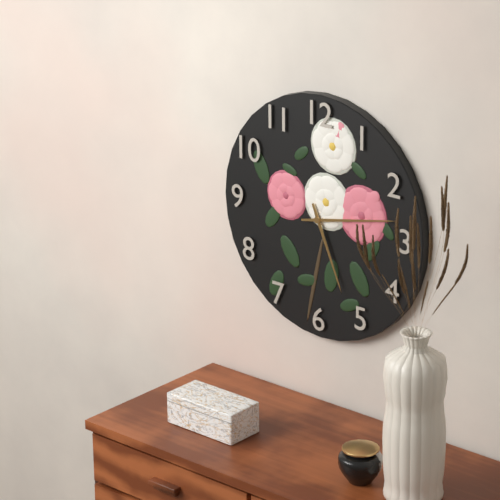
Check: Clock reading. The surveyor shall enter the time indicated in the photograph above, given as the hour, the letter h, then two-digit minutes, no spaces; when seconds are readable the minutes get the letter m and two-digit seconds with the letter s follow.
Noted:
5h13
